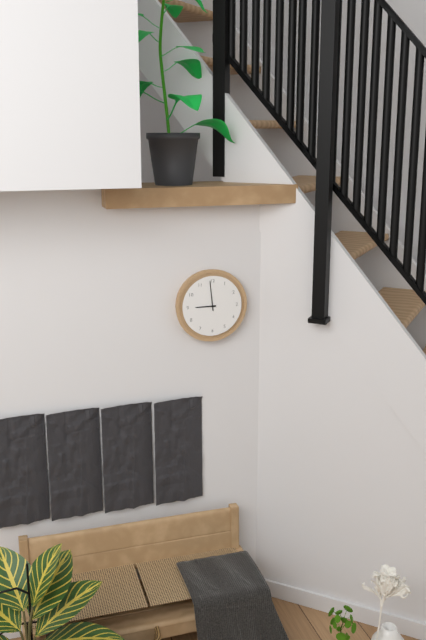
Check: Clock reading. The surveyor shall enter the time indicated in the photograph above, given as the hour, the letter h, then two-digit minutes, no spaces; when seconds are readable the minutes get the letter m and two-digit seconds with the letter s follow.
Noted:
8h59
